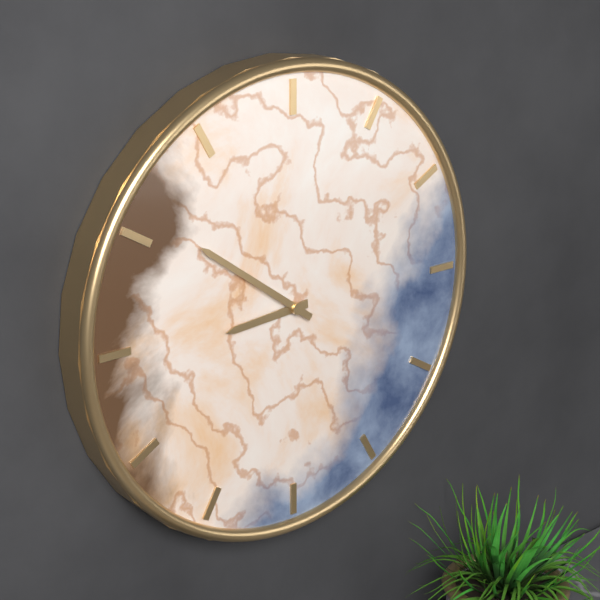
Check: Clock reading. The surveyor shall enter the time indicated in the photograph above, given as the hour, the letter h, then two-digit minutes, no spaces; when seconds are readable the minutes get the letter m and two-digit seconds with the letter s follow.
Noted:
8h51
